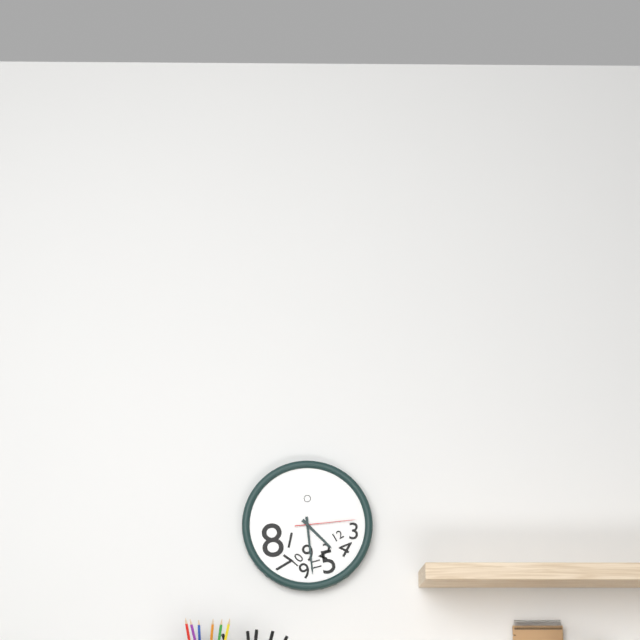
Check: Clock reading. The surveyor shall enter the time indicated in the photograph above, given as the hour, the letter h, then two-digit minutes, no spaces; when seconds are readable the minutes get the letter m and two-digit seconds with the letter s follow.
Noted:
4h29m14s
